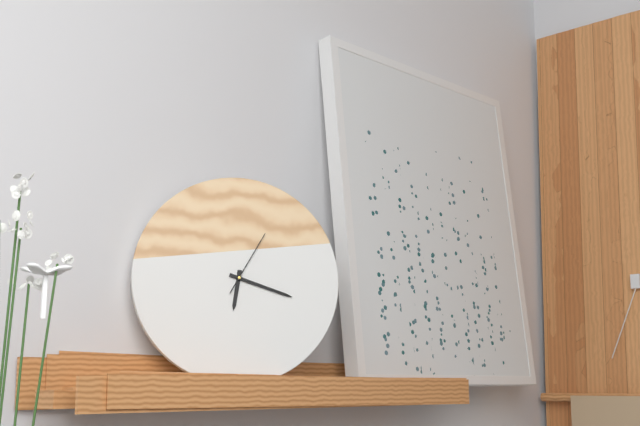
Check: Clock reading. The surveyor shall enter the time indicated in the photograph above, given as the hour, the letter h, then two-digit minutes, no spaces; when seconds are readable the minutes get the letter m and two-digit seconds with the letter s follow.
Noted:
6h18m05s
